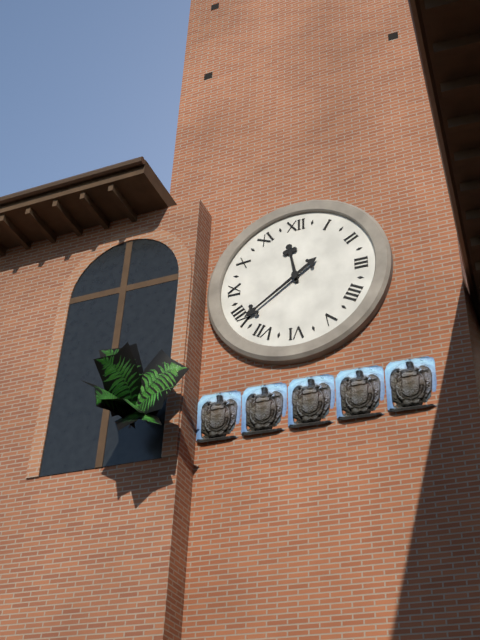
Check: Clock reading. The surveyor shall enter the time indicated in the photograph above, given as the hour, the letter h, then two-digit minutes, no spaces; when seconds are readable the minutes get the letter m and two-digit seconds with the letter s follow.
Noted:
11h39
